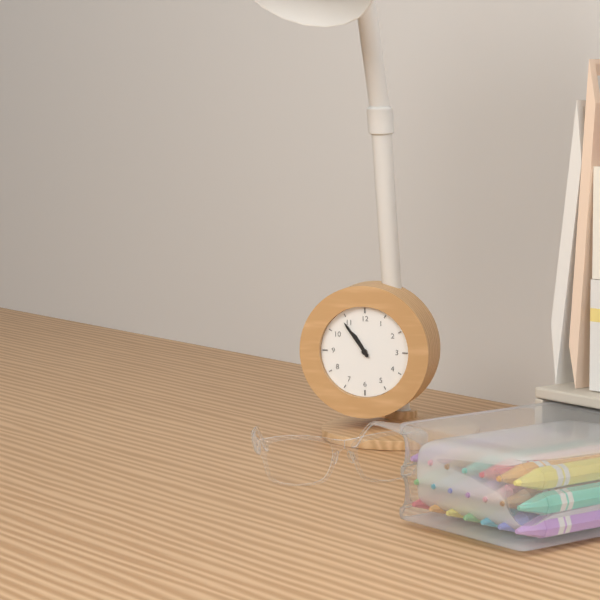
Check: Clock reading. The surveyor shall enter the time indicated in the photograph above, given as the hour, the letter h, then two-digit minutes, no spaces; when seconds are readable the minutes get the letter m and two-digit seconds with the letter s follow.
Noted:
10h54
